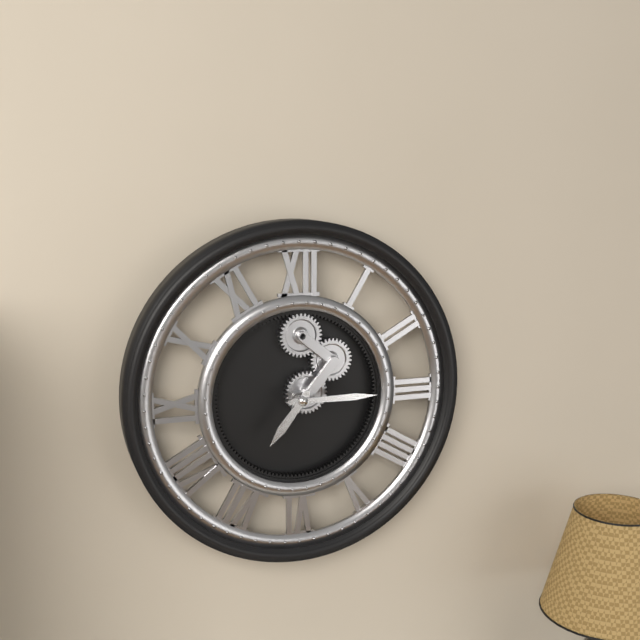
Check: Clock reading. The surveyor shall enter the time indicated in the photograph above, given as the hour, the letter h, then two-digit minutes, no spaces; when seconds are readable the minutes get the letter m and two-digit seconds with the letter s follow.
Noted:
7h15
